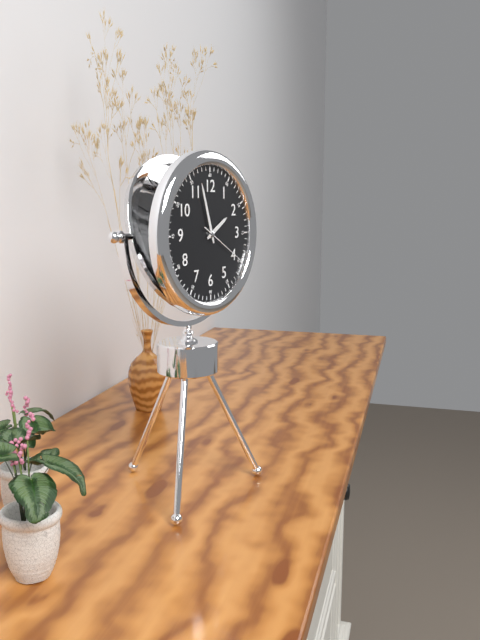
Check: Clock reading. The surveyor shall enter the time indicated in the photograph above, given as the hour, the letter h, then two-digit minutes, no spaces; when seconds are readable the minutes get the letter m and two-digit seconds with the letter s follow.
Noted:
1h57
